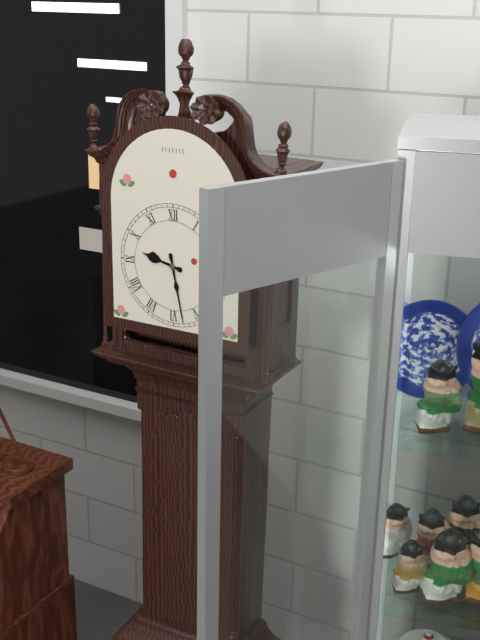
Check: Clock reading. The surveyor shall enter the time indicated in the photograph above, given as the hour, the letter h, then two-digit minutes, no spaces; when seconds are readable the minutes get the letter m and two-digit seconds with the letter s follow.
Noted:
9h28
